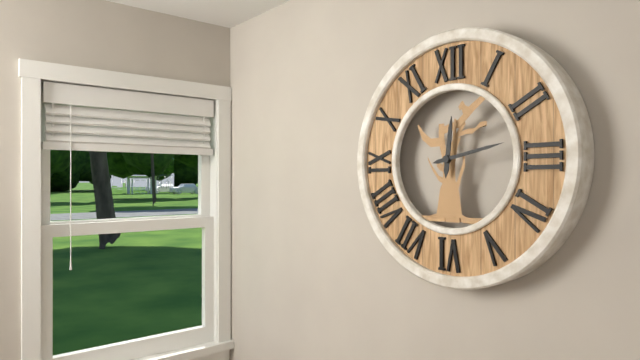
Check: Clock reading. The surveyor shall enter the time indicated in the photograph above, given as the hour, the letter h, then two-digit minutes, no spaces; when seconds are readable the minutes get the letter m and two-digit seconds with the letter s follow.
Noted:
12h13
